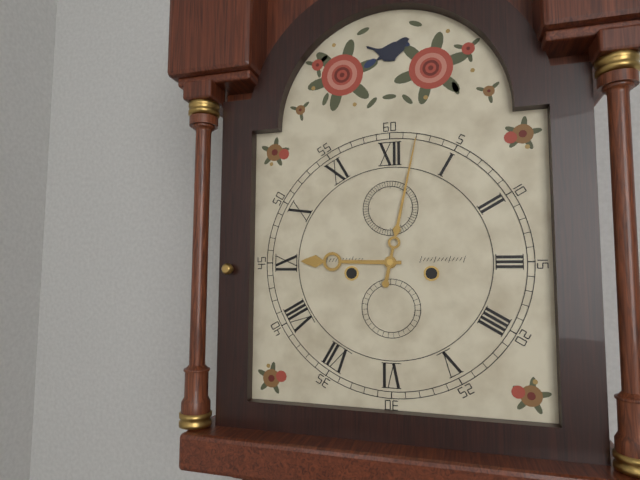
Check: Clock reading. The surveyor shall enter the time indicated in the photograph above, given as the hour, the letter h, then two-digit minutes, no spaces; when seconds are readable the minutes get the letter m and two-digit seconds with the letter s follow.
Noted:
9h02
